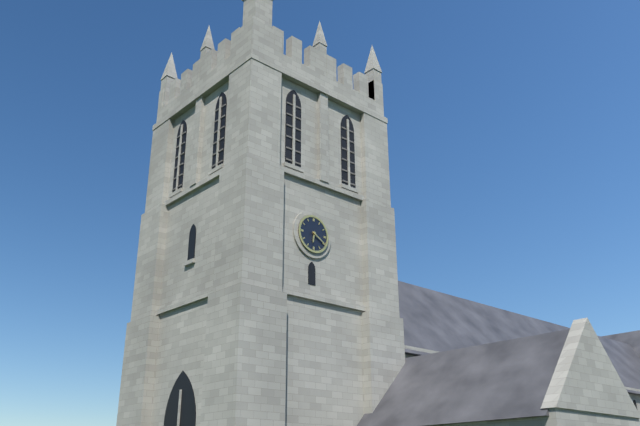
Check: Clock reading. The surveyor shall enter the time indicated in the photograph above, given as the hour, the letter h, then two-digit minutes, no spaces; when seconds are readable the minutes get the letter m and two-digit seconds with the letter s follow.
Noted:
6h20
